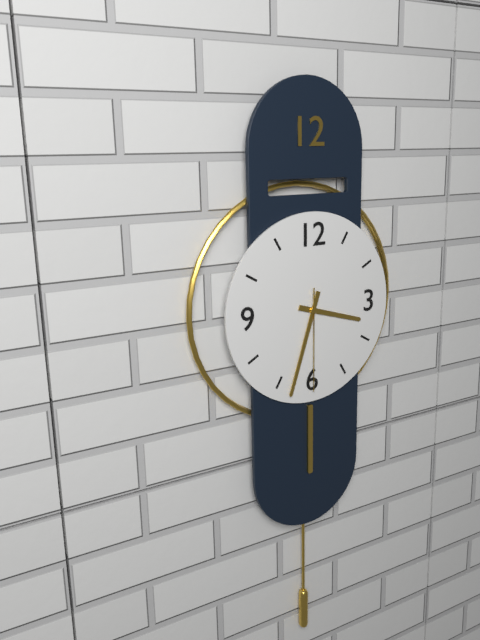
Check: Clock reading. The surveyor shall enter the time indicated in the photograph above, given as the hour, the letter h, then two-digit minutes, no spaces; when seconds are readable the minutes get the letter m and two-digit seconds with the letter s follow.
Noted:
3h33m30s
